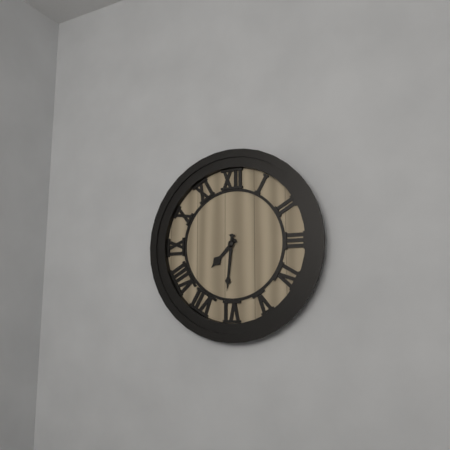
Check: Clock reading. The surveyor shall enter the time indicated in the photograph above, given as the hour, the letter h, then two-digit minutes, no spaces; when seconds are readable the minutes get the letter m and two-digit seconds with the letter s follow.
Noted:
7h31
